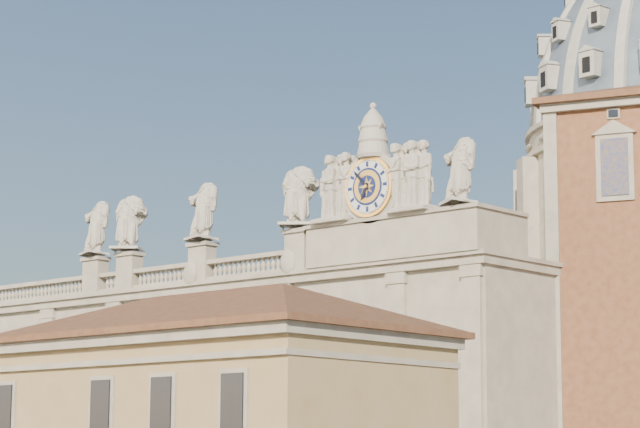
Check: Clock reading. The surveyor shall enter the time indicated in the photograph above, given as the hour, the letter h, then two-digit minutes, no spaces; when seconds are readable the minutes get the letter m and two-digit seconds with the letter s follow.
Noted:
6h53
